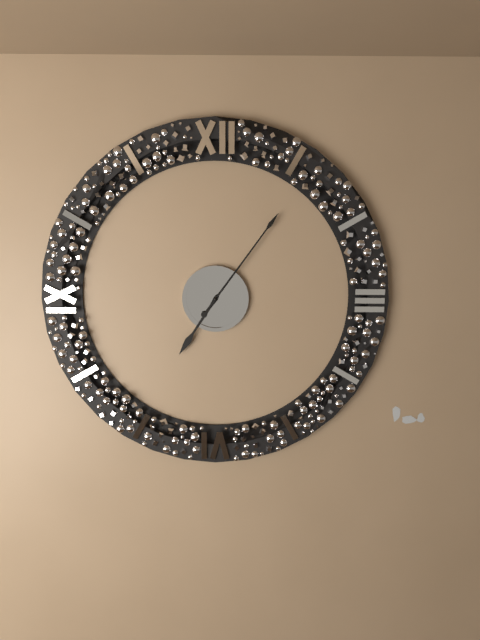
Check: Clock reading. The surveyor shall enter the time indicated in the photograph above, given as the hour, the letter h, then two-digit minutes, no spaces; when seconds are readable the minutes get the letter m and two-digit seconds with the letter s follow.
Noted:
7h06
